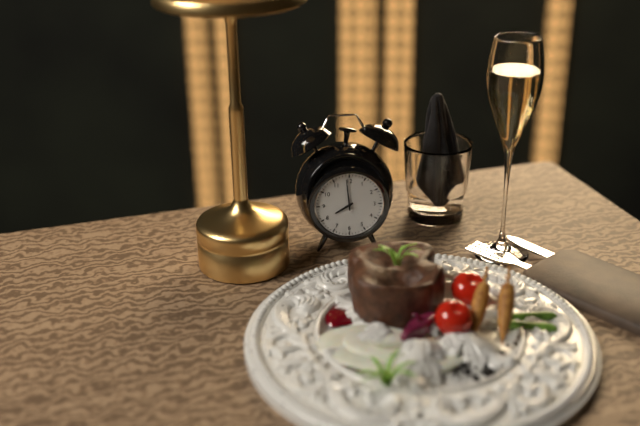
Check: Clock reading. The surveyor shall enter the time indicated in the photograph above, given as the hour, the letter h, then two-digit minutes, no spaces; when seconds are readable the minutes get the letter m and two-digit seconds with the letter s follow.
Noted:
7h59
